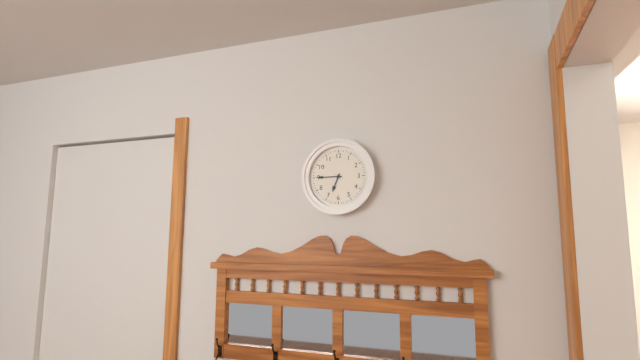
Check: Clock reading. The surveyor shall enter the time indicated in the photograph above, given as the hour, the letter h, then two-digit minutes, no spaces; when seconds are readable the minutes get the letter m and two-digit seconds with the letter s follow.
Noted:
6h45
